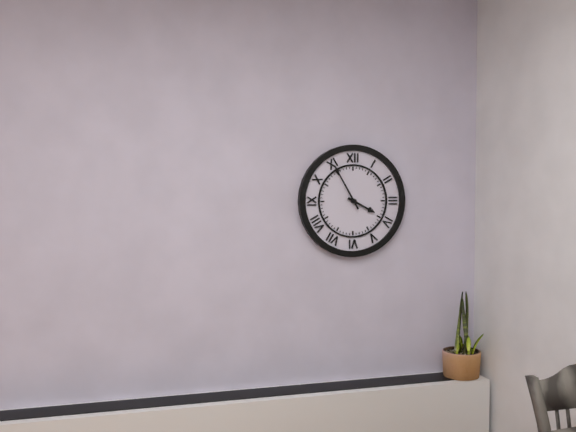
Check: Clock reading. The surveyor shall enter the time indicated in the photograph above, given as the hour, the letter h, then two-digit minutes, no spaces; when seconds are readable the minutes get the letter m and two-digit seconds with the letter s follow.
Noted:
3h55
